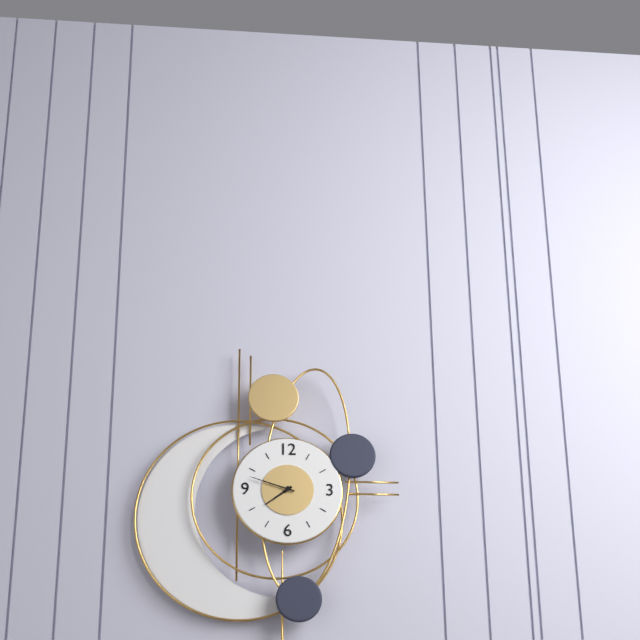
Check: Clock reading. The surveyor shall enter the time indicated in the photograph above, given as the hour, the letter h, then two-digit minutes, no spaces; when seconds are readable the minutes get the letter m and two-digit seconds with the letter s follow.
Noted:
7h48
